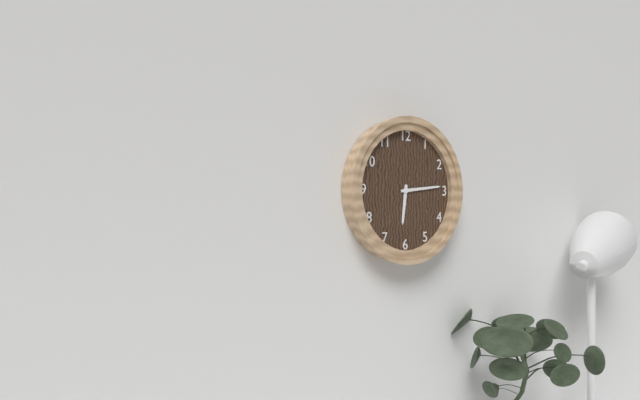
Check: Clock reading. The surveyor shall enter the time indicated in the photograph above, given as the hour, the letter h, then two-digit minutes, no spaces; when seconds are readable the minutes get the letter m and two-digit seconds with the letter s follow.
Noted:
6h14
